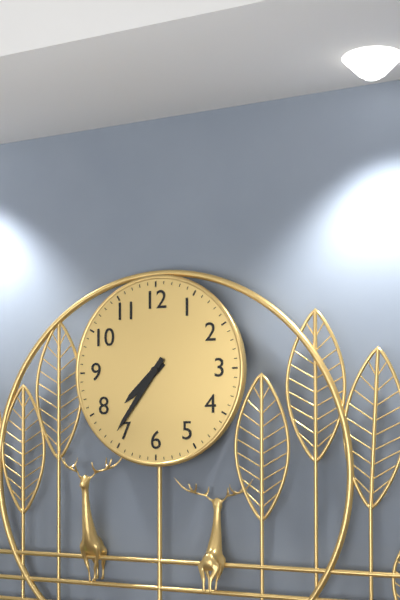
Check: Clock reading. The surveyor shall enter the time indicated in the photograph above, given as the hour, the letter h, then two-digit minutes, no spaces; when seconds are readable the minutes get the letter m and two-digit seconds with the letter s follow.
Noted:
7h36
